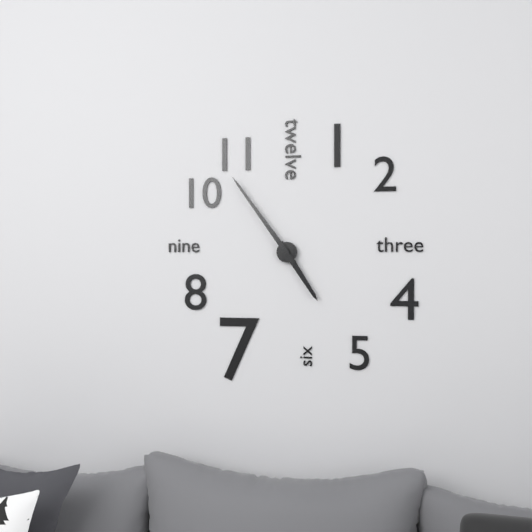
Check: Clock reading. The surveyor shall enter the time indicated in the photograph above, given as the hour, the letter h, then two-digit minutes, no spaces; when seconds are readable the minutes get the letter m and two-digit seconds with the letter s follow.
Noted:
4h54
